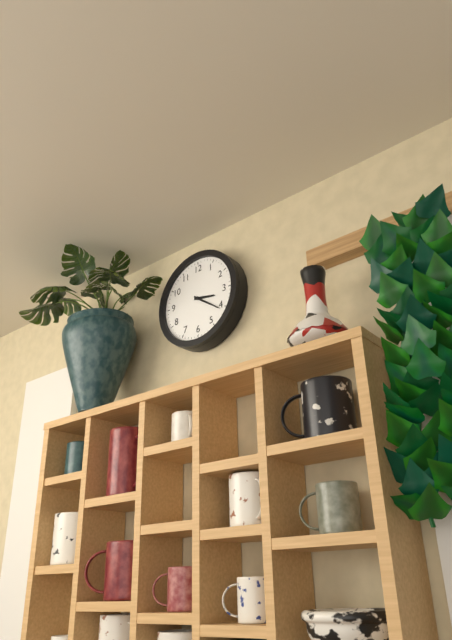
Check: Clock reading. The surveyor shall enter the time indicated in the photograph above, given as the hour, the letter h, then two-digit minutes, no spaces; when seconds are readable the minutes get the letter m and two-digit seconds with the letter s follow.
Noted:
3h21
